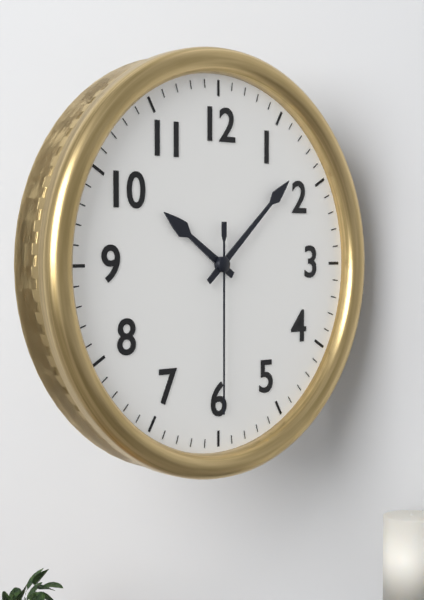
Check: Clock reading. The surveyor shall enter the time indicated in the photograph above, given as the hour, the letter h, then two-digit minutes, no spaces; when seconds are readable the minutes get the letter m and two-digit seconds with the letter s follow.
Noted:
10h08m30s
